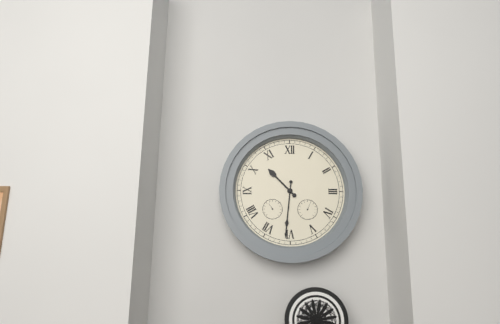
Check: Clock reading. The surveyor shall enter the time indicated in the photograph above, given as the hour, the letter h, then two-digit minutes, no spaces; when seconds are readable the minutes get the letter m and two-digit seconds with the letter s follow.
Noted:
10h31
